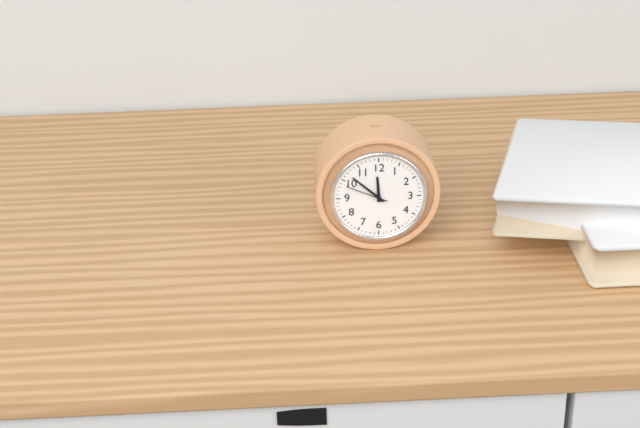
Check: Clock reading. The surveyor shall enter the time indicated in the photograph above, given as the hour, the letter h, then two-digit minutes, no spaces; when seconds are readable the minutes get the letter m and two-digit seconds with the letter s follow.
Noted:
11h52
